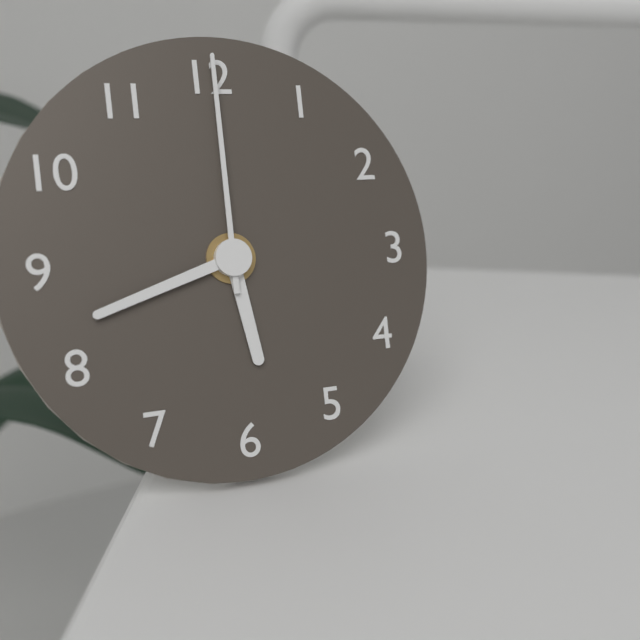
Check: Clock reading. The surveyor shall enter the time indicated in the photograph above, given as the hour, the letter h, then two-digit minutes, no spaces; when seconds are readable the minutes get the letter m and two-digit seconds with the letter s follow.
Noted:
5h42m00s
